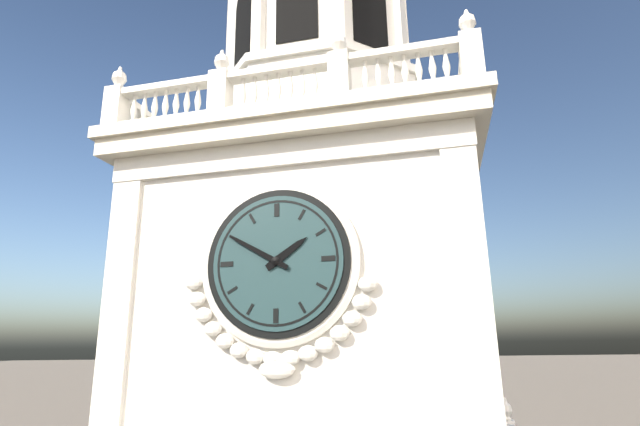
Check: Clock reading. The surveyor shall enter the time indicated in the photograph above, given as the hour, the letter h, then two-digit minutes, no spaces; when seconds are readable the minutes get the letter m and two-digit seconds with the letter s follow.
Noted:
1h50
